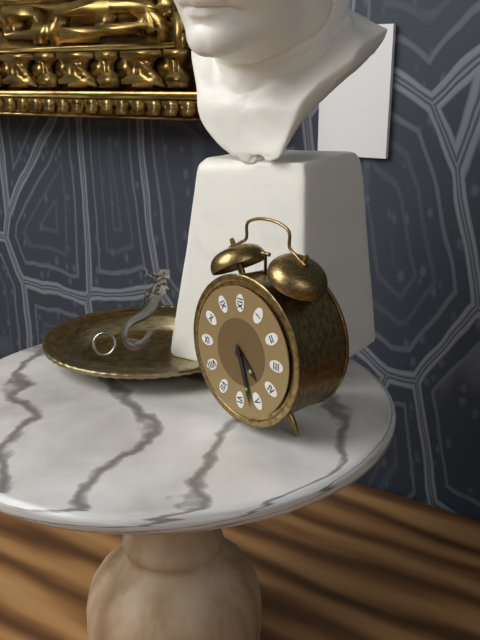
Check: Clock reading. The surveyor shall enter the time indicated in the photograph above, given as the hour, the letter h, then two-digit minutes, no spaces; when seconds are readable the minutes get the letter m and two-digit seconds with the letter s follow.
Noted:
4h27
